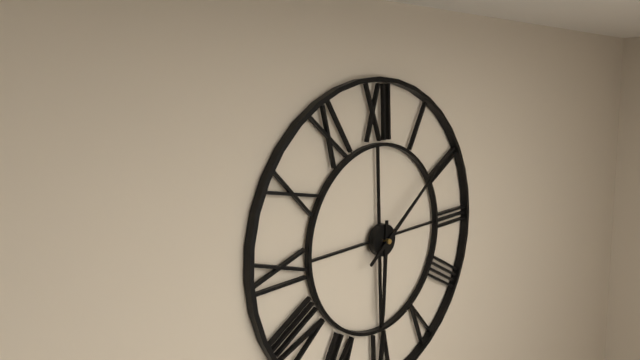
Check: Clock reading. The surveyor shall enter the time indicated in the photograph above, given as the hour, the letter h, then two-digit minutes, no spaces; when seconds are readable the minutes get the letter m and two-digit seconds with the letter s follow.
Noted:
6h09
